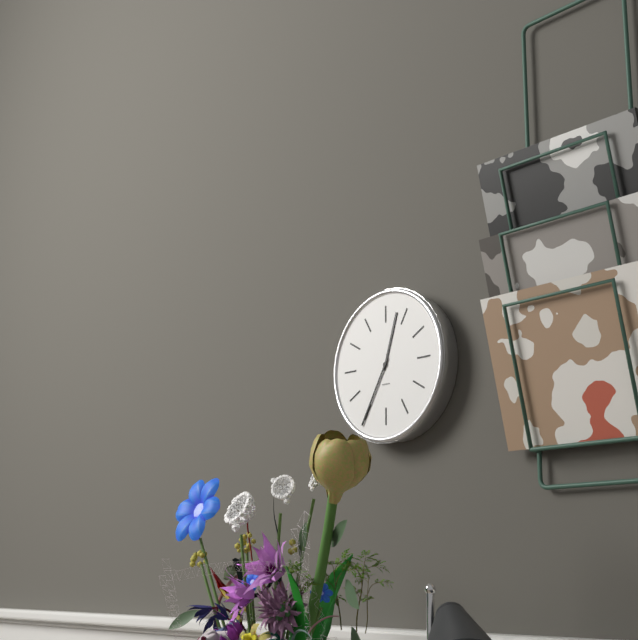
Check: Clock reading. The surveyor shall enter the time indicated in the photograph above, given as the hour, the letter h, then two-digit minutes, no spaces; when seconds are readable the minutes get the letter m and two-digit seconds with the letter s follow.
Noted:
12h35
